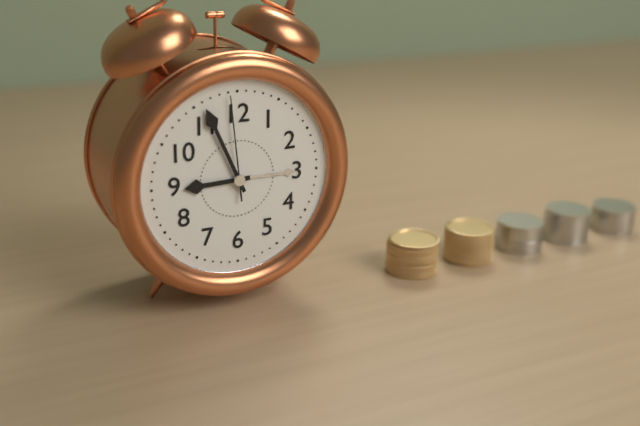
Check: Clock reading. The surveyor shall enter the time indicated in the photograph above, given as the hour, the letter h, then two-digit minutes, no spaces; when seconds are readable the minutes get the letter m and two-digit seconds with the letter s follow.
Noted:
8h56m59s
